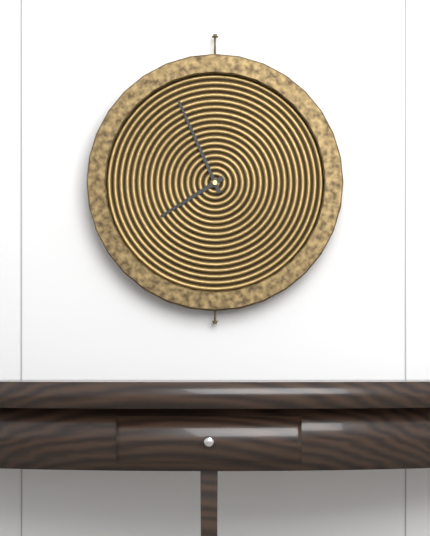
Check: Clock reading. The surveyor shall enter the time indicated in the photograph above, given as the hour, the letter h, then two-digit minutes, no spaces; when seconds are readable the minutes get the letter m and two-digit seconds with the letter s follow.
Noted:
7h56
